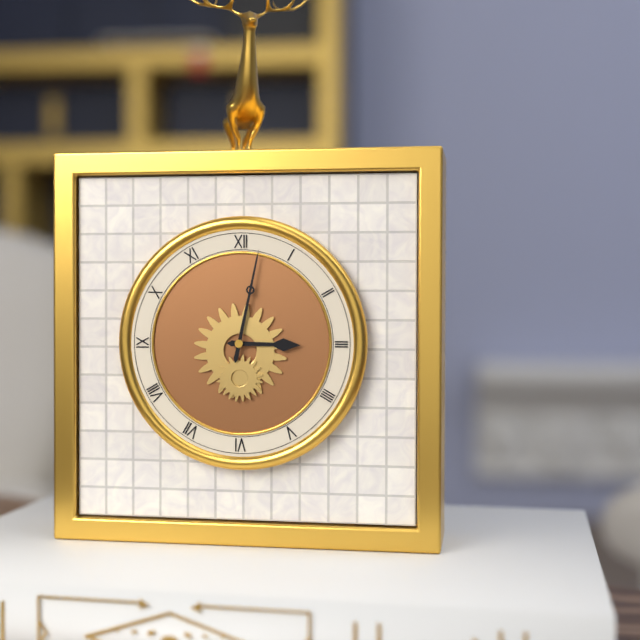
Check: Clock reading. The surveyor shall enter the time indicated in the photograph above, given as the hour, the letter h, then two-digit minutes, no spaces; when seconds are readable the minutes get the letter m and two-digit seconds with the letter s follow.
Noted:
3h02
